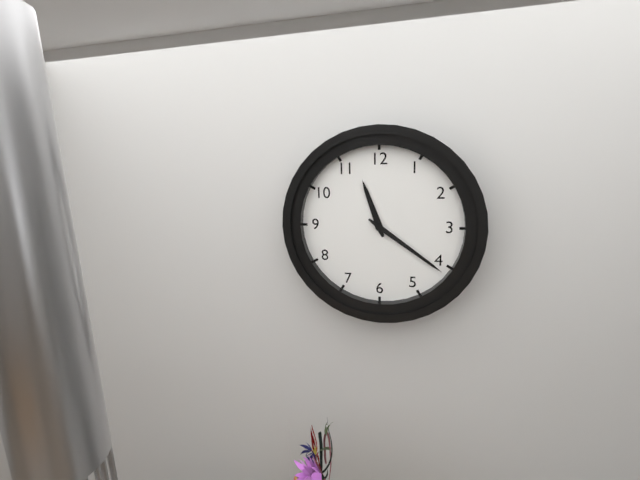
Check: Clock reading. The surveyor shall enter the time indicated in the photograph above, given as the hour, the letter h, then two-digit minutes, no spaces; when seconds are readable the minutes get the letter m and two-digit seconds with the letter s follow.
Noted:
11h21
